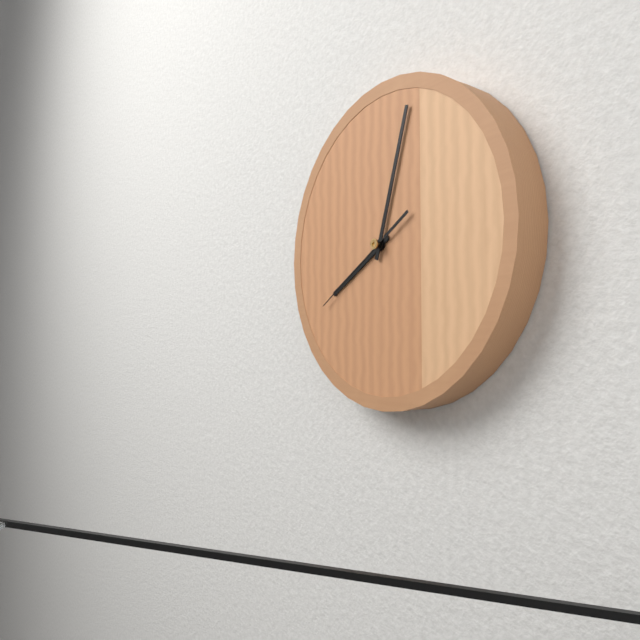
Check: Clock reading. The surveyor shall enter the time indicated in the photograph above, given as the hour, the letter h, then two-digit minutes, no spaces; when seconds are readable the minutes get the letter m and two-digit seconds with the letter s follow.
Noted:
8h03m40s
